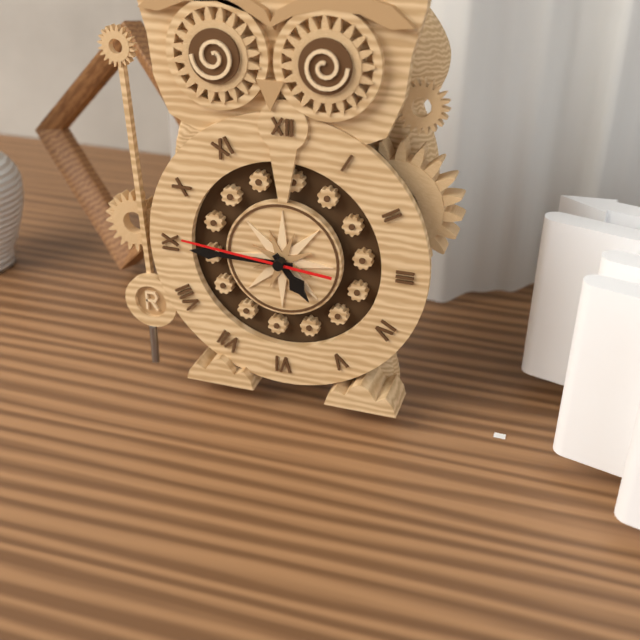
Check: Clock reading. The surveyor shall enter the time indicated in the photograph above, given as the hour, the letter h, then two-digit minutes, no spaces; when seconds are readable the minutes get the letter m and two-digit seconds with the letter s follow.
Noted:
4h45m46s
